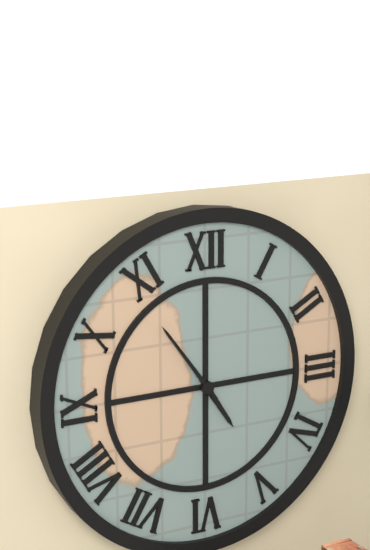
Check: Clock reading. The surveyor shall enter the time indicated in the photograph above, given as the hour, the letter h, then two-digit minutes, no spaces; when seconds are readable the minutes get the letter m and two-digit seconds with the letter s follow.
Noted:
4h54
